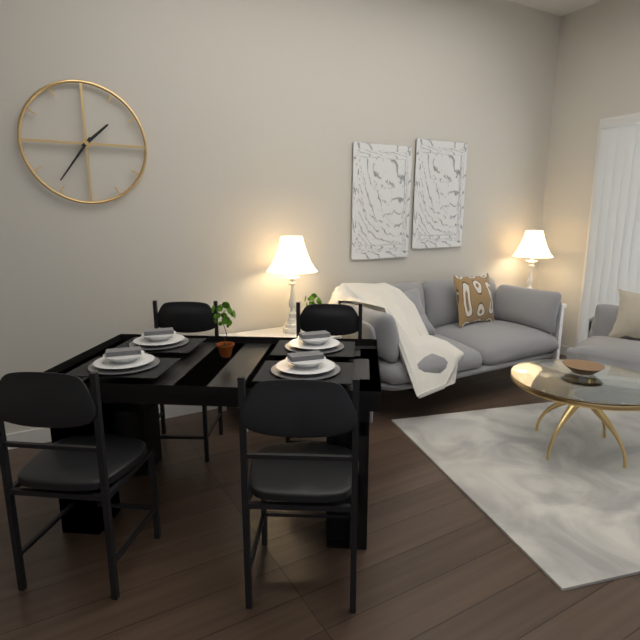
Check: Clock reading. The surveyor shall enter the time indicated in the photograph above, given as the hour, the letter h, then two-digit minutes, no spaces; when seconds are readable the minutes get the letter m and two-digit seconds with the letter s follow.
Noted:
1h36
